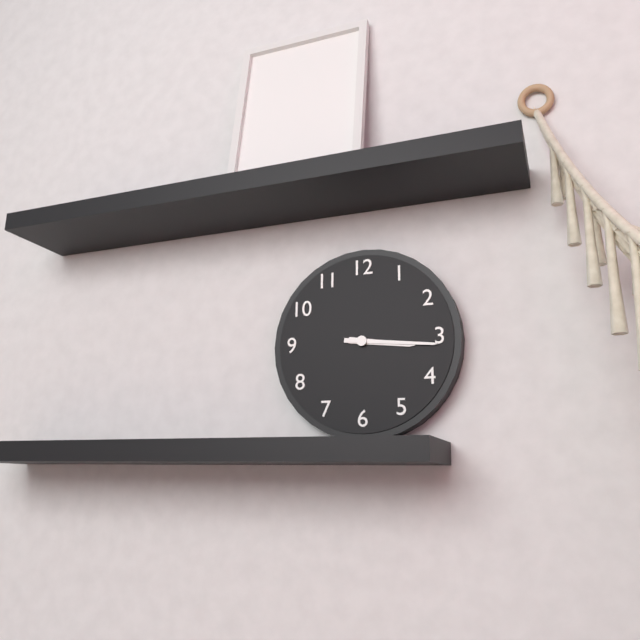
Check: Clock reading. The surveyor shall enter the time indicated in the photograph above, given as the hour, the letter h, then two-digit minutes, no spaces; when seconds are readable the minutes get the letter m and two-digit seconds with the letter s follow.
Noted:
3h16
